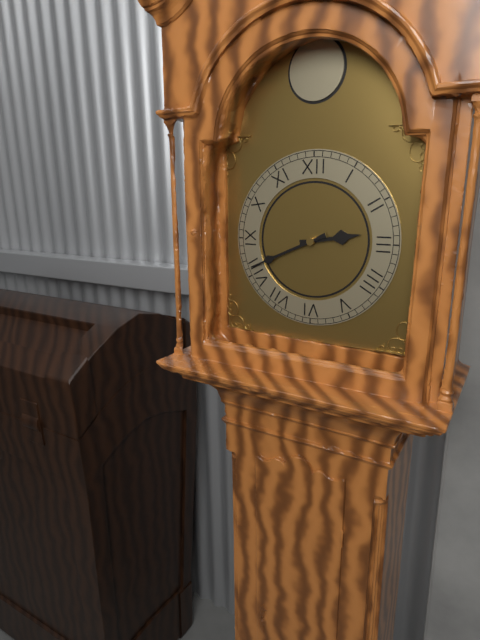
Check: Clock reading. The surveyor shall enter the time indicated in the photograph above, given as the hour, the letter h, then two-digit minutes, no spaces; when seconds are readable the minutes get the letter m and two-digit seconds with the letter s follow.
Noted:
2h41
